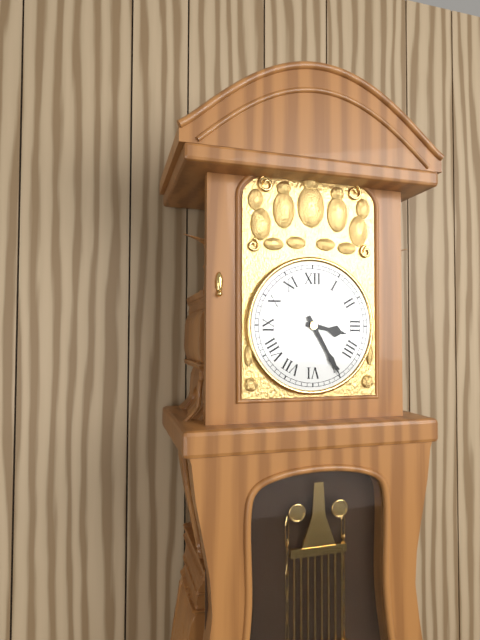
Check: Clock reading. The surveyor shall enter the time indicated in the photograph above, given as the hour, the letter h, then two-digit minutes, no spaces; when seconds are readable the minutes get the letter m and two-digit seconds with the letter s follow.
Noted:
3h25
